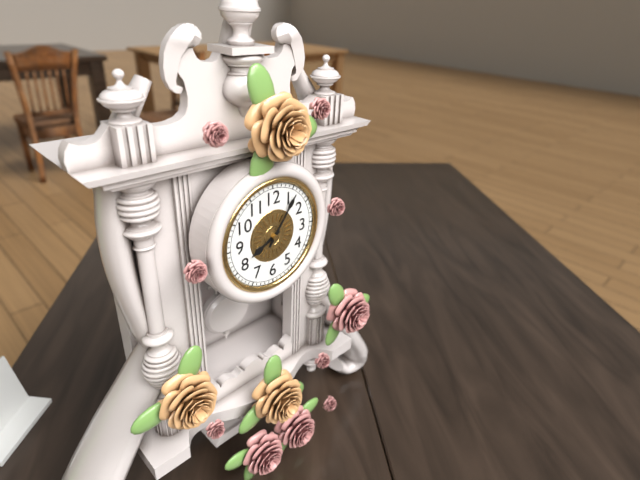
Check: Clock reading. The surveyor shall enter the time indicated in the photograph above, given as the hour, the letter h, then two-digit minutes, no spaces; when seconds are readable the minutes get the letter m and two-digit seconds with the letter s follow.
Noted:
8h06
